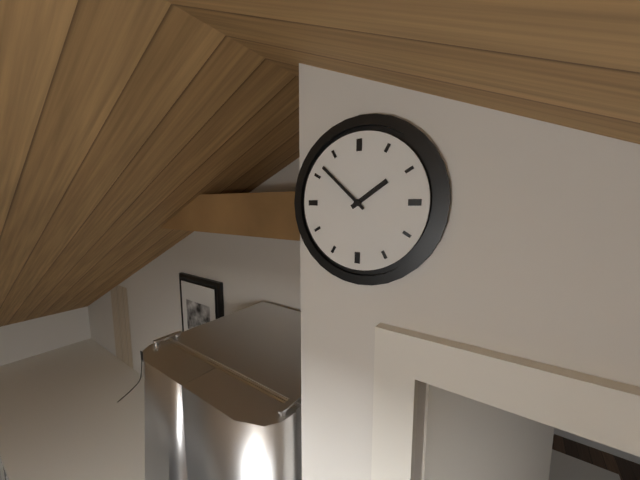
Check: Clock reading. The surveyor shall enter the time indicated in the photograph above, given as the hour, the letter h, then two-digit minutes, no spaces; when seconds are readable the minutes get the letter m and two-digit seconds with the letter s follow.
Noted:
1h52
